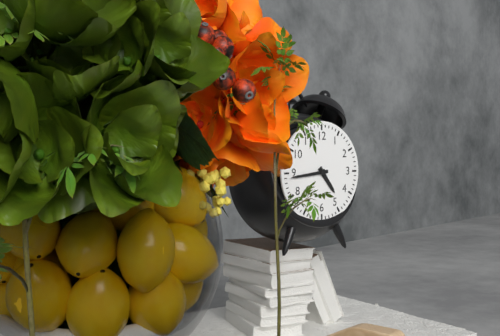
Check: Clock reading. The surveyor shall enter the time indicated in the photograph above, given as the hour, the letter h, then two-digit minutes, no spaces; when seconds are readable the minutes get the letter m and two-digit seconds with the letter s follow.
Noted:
4h44
